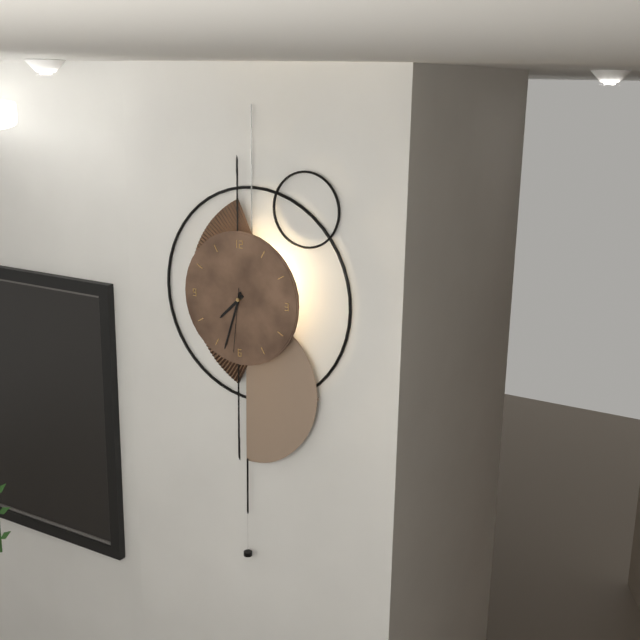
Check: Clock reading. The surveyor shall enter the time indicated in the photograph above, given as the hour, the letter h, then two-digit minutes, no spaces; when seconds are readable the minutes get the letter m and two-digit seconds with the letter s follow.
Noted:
7h33m31s
